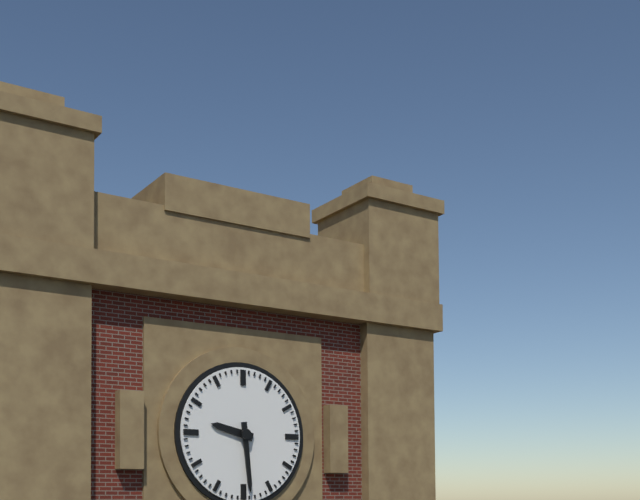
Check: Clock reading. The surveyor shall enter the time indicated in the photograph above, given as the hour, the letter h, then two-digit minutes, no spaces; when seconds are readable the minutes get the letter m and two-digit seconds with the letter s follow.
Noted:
9h29
